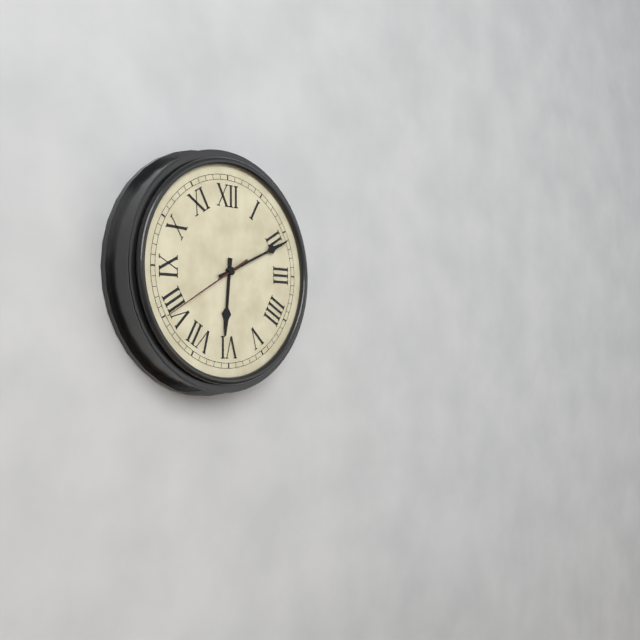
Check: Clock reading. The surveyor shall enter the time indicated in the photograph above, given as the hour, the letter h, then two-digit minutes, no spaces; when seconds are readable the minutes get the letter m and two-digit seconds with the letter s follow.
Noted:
6h11m40s
